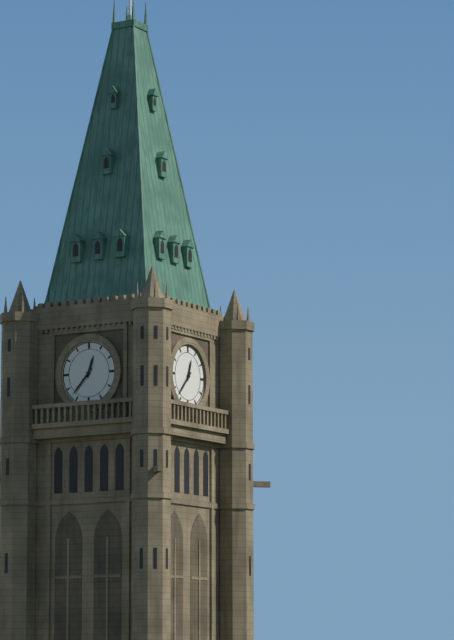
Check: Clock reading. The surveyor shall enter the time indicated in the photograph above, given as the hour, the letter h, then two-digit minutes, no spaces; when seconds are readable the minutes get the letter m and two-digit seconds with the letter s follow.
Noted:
12h37
